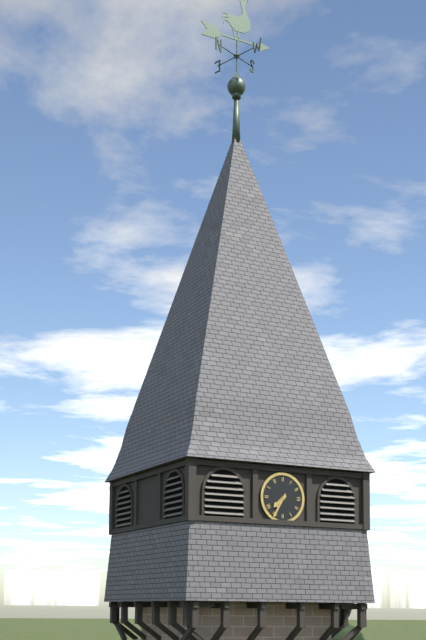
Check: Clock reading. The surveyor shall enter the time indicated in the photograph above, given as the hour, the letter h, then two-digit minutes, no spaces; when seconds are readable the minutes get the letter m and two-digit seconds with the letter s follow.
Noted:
7h35
